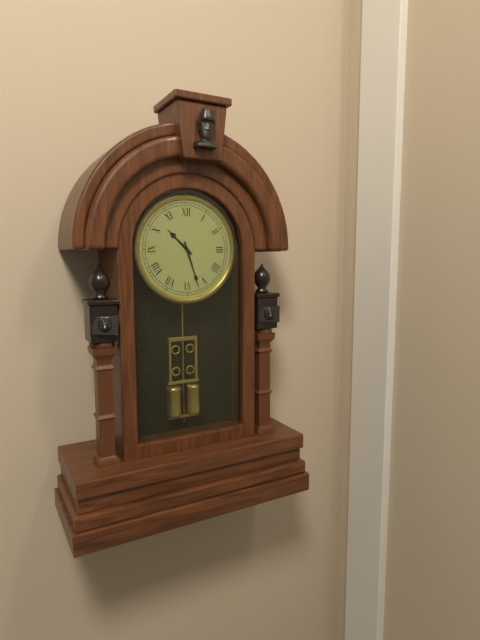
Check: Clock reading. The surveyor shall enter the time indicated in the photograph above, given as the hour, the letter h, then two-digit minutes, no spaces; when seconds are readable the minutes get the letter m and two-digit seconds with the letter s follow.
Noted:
10h27
